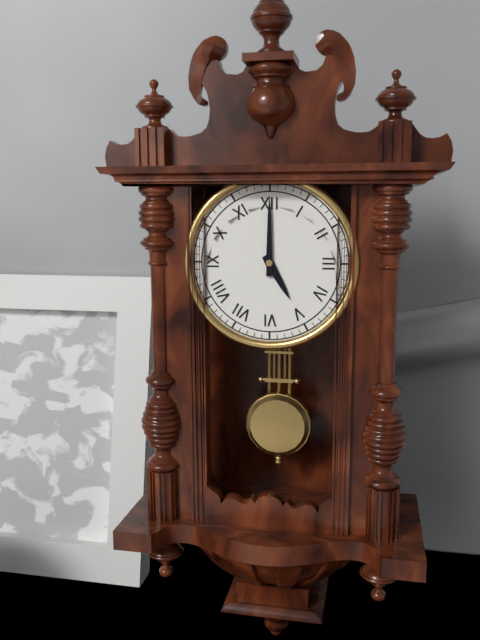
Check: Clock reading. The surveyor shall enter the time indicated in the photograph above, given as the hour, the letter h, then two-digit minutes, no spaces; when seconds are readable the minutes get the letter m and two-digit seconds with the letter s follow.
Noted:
5h00
